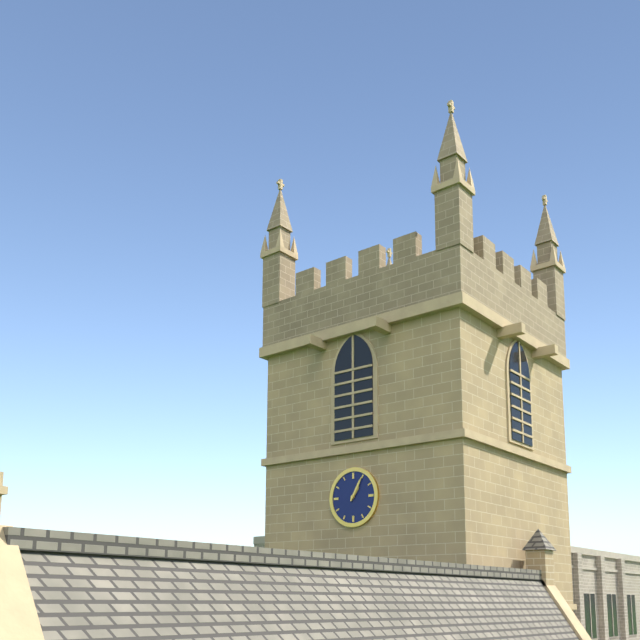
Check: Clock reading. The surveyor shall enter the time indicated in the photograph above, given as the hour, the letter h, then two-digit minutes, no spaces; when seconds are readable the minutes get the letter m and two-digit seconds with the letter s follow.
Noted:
1h05
